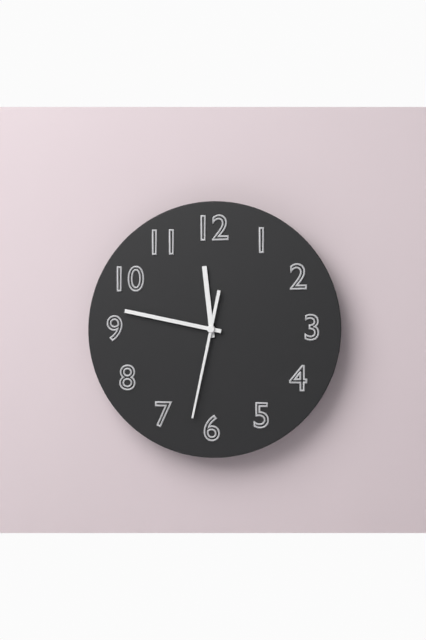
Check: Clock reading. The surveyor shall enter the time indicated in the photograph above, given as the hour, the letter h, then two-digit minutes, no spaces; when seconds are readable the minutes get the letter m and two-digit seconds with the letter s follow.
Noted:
11h47m32s
